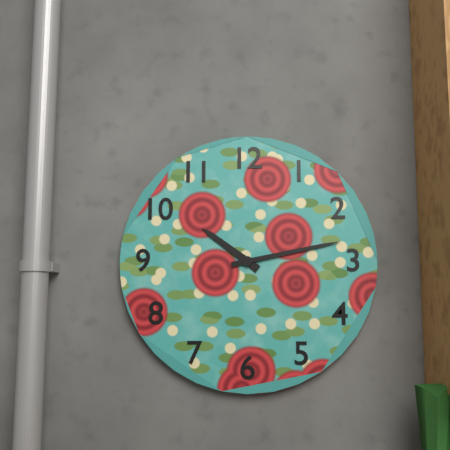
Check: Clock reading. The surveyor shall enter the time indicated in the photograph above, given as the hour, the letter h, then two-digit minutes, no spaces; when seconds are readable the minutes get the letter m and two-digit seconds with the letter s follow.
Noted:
10h13
